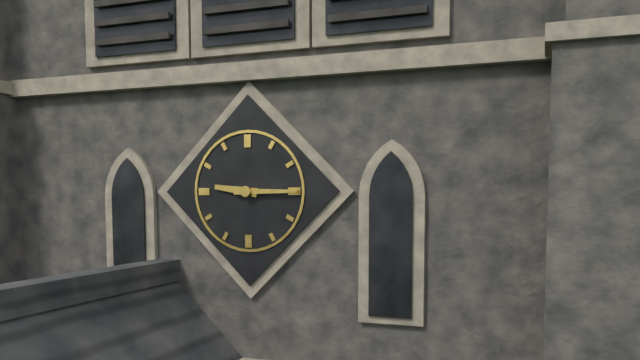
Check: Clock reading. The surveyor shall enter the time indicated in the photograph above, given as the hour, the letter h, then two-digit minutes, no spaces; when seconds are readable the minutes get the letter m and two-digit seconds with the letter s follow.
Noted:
9h15
